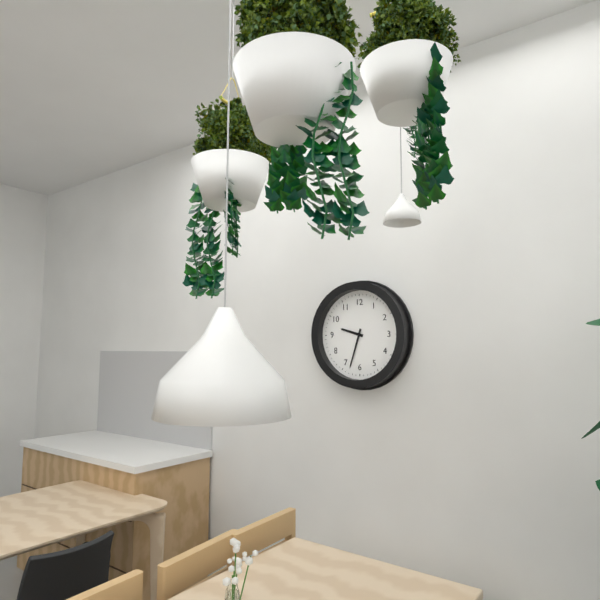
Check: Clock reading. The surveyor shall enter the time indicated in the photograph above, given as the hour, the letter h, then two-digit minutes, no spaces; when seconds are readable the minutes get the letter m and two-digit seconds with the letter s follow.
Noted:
9h33
